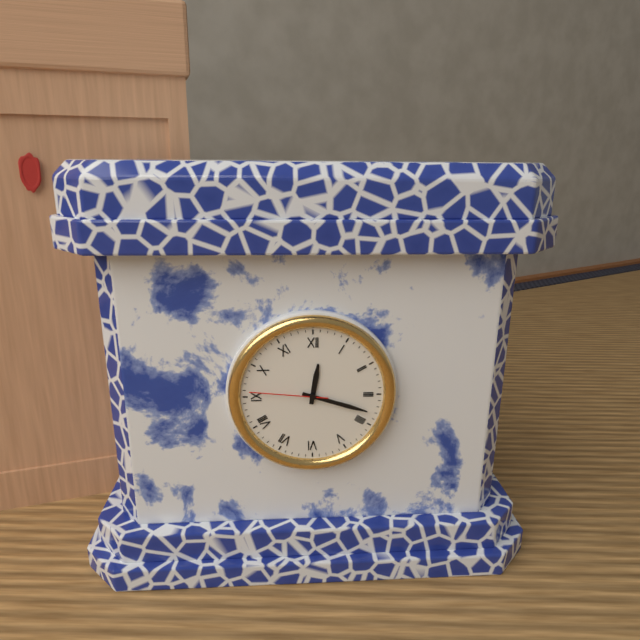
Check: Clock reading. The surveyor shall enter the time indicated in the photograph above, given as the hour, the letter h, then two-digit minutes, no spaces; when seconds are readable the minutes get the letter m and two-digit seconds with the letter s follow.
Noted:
12h18m46s
